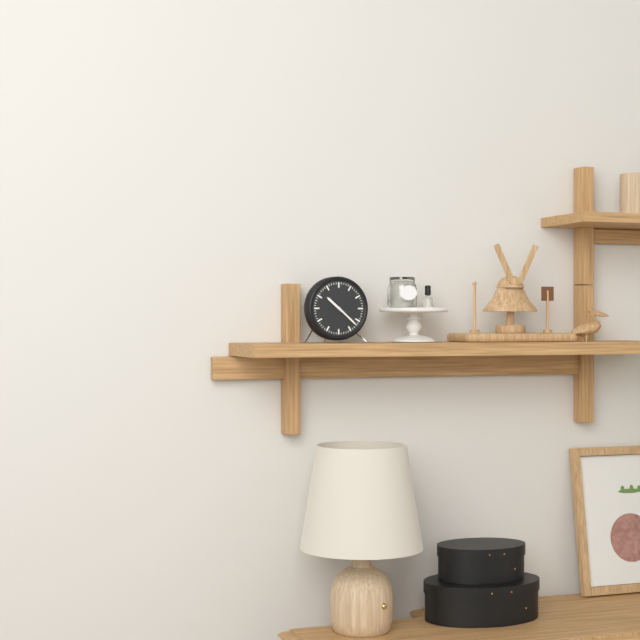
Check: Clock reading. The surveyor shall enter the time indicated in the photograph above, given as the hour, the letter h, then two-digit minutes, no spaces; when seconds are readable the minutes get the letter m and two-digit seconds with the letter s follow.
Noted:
10h22
